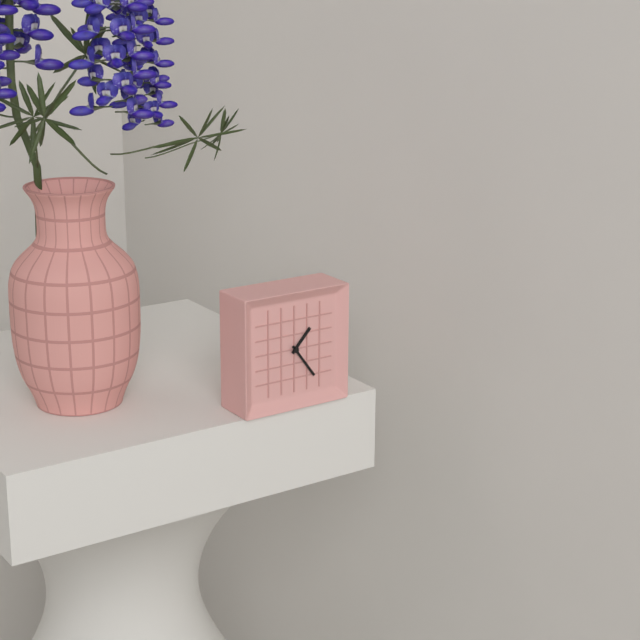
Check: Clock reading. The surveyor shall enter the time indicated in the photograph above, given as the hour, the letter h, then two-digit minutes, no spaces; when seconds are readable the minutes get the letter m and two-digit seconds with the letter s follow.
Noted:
1h24
